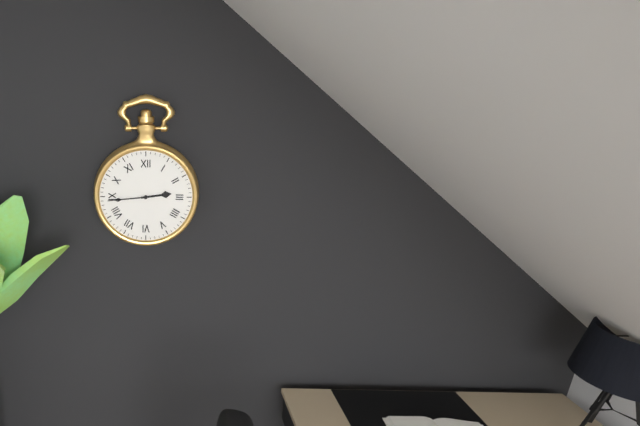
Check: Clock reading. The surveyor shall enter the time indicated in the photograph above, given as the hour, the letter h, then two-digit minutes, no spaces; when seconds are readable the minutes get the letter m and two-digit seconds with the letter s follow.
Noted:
2h44
